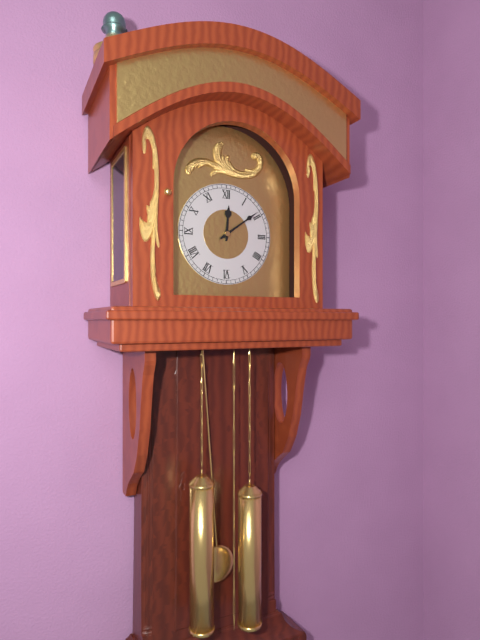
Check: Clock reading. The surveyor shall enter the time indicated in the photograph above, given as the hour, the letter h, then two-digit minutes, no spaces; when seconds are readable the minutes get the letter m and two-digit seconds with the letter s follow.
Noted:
12h09
